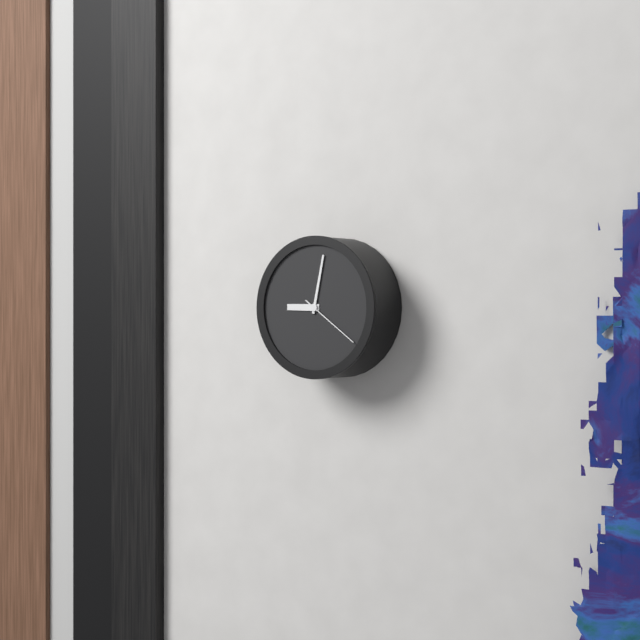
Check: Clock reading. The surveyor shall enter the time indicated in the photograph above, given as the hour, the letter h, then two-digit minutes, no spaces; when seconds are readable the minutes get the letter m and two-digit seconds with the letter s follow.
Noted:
9h02m21s
